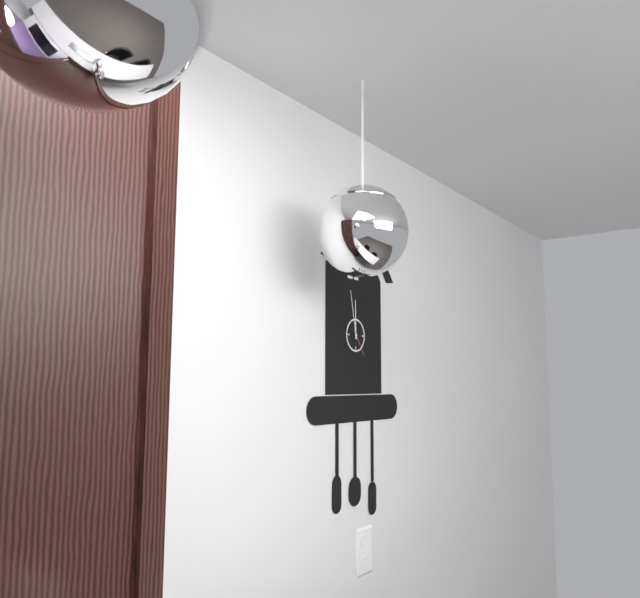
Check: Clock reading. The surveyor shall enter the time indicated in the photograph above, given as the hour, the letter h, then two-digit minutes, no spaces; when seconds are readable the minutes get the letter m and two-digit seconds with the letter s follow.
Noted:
11h58
